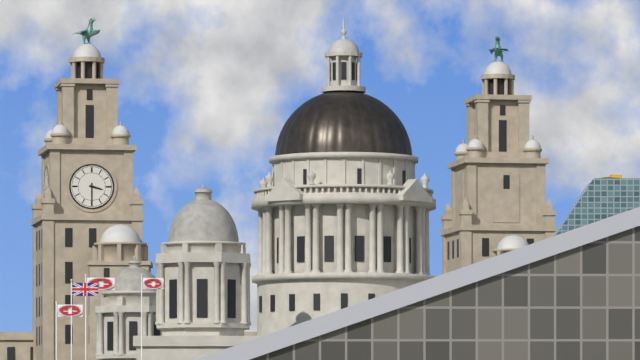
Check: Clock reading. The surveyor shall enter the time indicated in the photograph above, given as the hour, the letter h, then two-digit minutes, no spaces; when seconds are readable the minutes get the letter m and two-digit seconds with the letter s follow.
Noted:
3h30
